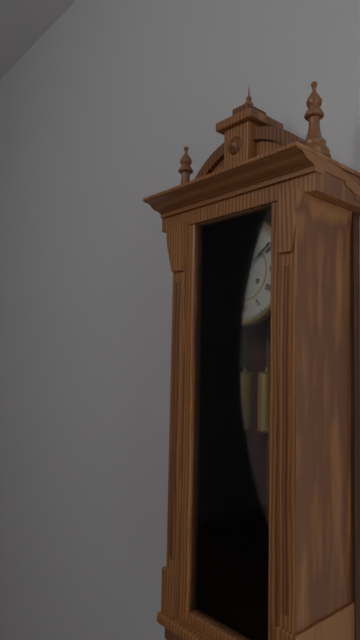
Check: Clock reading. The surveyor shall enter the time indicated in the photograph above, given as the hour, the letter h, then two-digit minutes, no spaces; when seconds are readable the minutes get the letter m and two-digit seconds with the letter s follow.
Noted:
11h09
